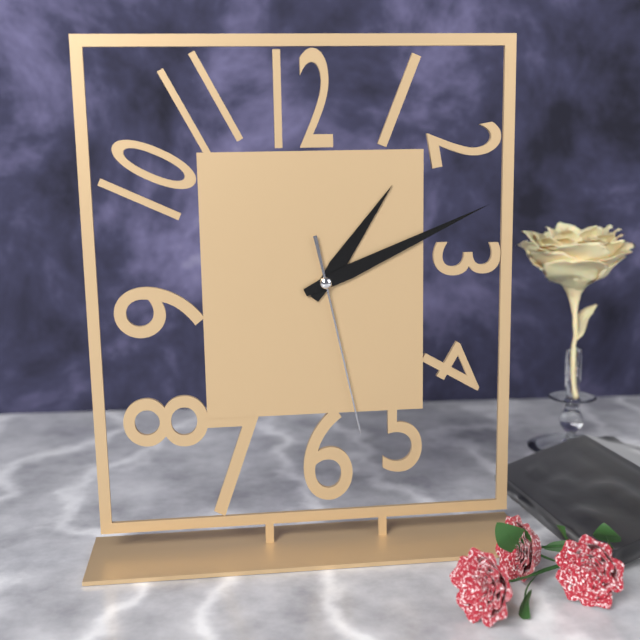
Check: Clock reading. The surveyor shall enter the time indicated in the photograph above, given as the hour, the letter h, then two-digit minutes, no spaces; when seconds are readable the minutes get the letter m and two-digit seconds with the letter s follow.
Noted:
1h11m28s
